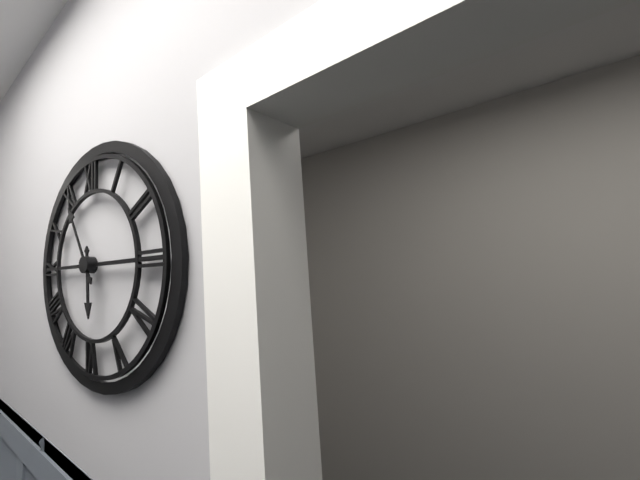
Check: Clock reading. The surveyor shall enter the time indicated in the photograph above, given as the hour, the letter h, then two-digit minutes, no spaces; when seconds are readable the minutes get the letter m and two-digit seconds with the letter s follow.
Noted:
5h55
